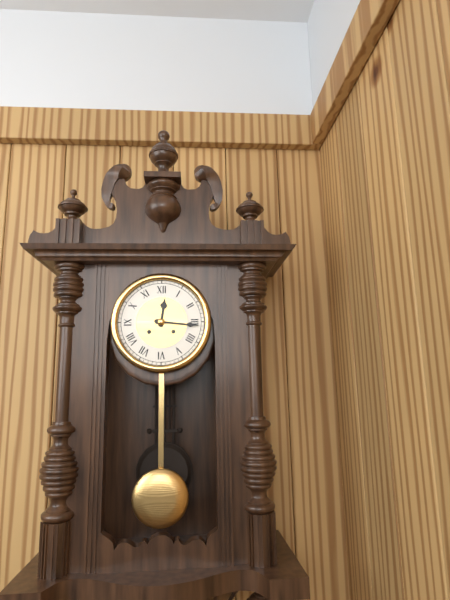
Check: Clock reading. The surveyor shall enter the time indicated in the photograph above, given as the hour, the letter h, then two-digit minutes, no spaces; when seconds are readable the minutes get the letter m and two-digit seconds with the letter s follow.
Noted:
12h16
